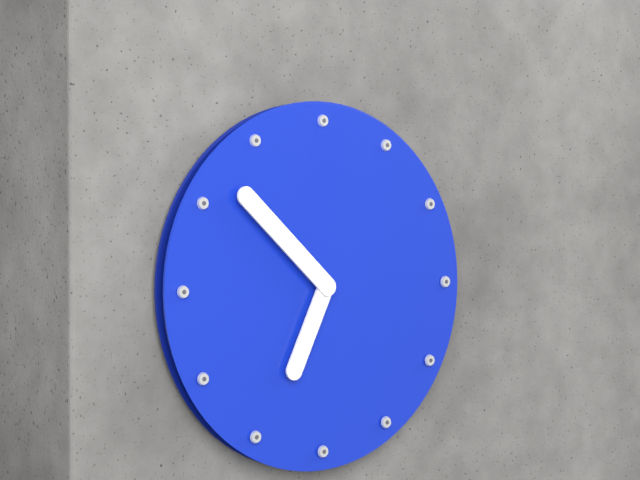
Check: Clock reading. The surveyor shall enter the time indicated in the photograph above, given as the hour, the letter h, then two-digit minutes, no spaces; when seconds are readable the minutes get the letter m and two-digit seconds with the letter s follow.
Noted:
6h52
